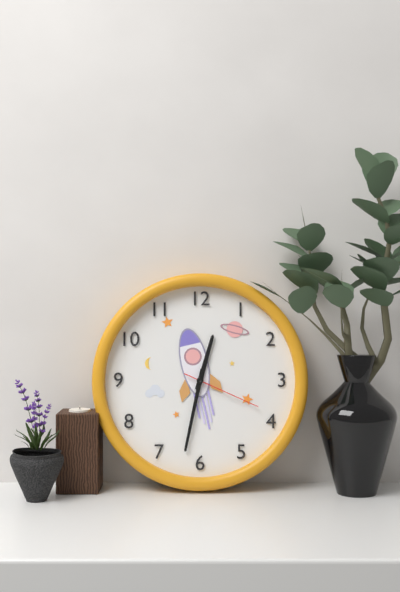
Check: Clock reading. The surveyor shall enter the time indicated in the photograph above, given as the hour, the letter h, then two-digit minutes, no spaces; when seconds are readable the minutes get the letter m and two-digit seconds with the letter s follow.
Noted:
12h32m19s
